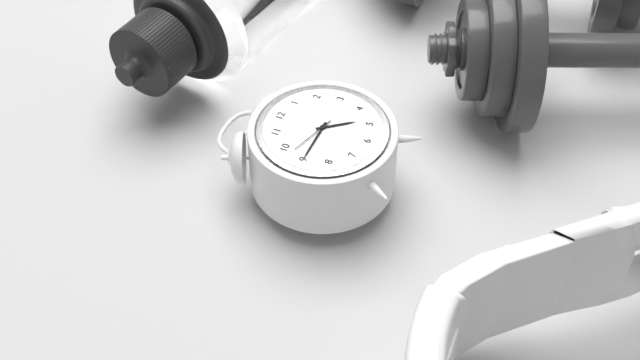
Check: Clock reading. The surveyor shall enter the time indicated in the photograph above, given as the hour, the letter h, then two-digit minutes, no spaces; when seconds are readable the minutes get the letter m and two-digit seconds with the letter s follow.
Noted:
4h45
